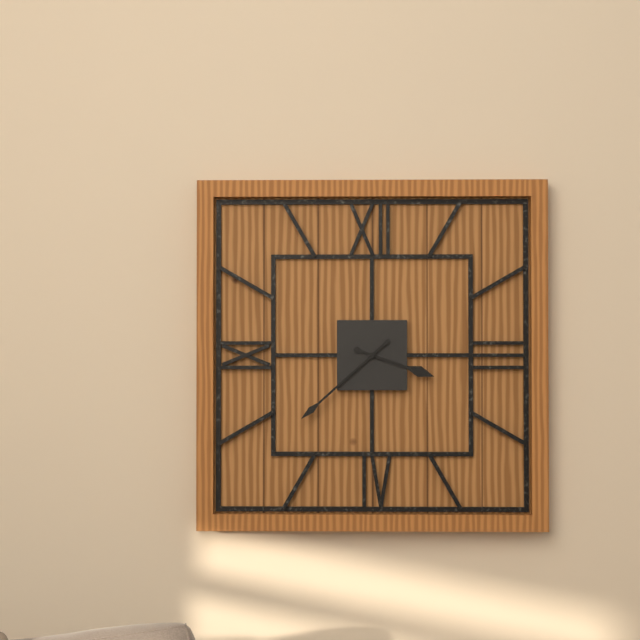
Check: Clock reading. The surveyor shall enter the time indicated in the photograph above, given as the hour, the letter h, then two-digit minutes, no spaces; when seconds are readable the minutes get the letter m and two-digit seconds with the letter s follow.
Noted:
3h38
